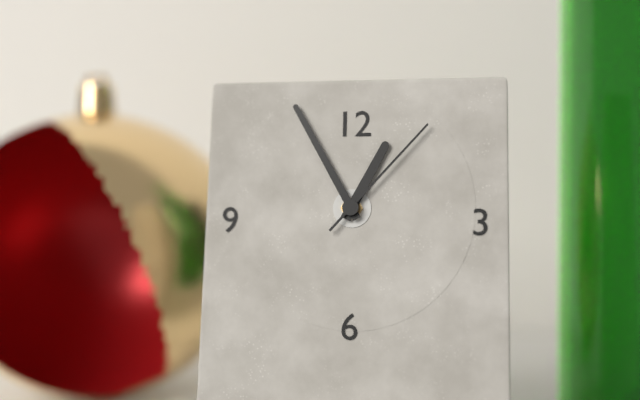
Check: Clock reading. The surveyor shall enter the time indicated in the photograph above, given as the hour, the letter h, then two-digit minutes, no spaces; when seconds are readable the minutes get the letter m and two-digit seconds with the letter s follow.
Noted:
12h55m07s
